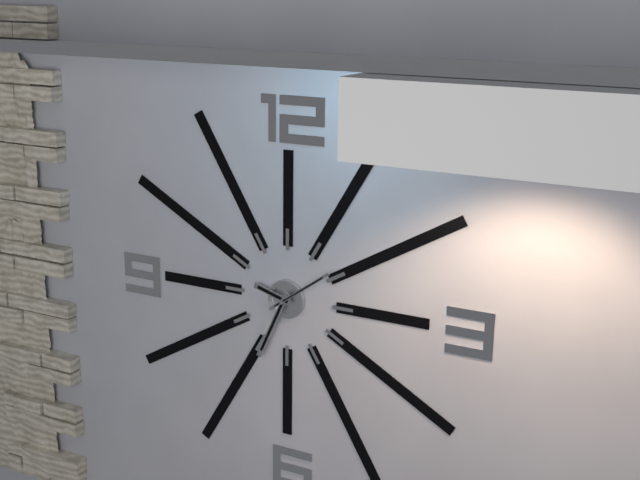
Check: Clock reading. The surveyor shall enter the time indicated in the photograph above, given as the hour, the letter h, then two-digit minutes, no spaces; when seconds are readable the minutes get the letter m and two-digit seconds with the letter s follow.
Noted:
9h34m09s
